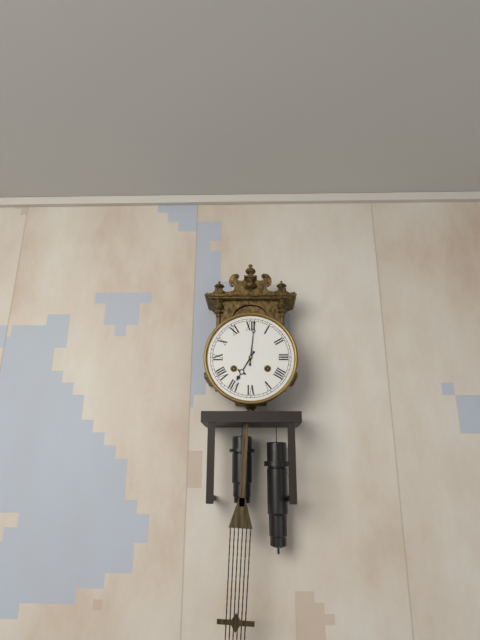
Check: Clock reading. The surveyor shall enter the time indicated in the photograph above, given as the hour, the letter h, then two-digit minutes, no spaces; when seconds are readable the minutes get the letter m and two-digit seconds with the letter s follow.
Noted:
7h01
